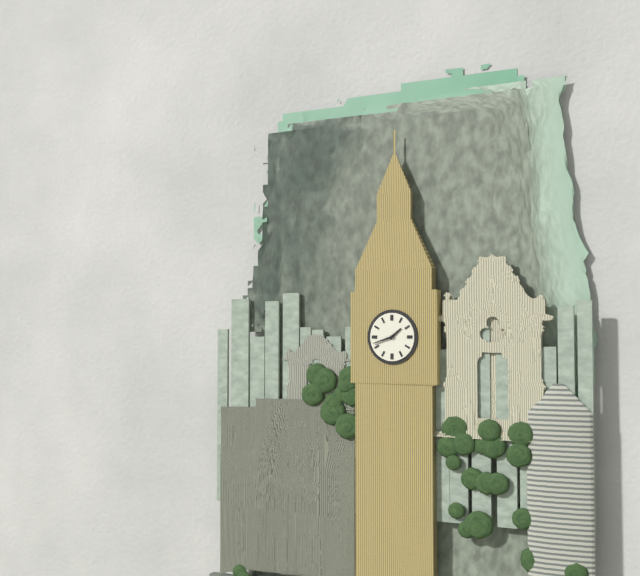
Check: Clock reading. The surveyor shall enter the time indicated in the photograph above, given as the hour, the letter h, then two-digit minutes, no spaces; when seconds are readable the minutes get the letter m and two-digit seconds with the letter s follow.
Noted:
1h42
